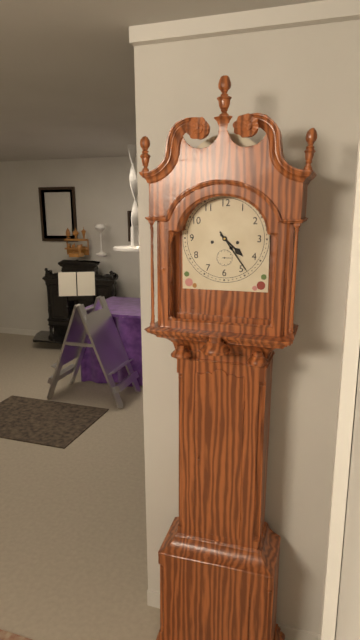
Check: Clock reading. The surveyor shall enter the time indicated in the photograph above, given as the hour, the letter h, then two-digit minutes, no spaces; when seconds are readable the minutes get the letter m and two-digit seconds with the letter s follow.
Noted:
4h24
